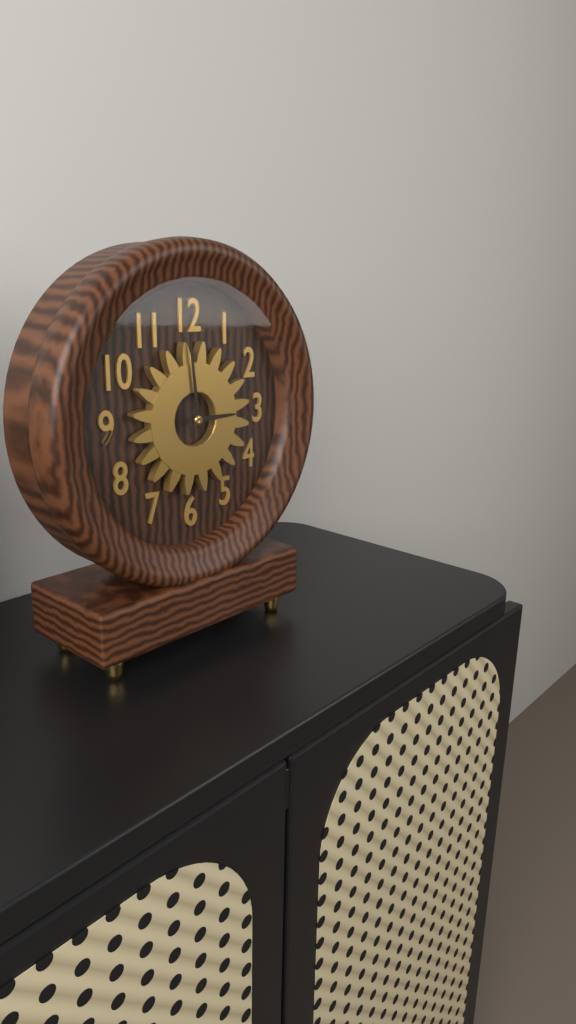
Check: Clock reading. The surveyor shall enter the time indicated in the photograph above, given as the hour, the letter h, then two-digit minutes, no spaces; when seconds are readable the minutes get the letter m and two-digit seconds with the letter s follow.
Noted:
2h59
